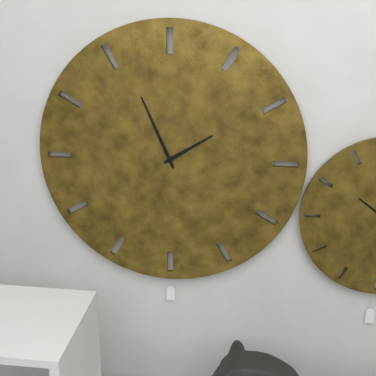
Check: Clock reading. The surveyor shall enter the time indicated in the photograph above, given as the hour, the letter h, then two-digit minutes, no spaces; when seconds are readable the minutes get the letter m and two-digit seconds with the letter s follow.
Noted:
1h56
